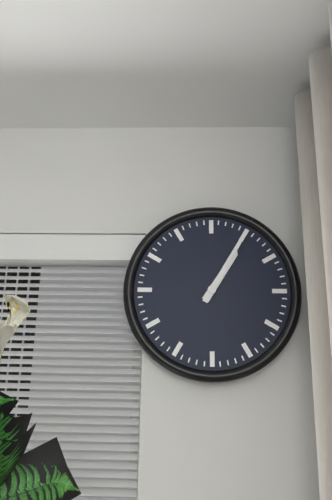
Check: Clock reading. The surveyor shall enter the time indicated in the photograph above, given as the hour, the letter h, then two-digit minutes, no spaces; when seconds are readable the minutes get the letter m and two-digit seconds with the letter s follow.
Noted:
1h05
